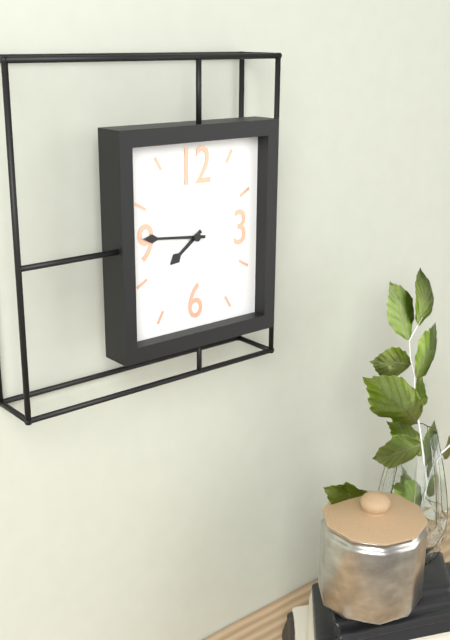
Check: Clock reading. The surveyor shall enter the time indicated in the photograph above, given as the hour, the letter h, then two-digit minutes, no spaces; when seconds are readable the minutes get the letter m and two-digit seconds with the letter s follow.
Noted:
7h46
